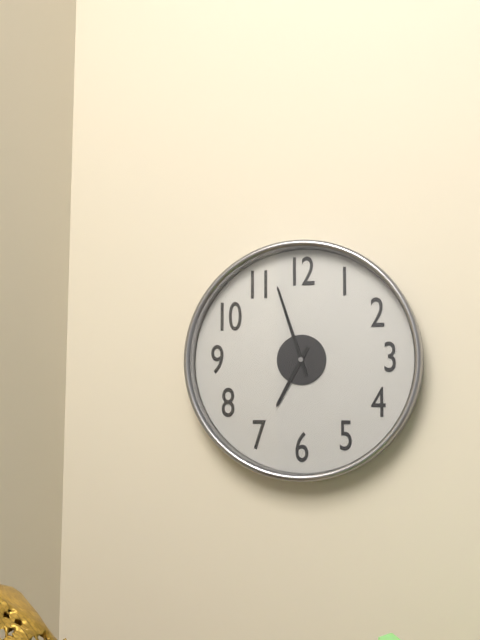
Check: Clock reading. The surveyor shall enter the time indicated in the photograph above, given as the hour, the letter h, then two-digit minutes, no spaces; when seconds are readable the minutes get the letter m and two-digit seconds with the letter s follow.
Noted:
6h57
